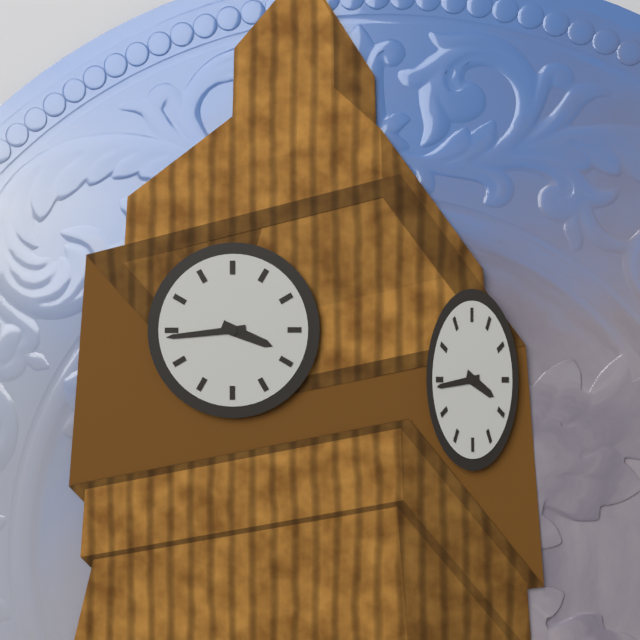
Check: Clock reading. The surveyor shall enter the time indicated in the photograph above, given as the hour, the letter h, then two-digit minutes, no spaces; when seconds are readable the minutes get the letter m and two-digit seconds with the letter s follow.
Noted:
3h44
